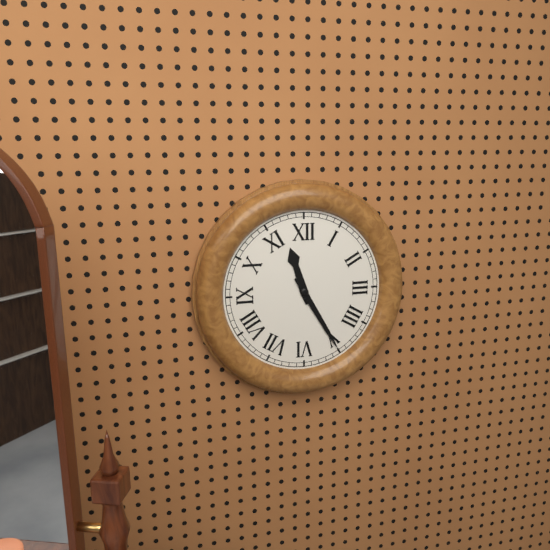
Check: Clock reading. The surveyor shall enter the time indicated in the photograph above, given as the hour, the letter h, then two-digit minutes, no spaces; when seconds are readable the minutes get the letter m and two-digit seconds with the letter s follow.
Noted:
11h25
